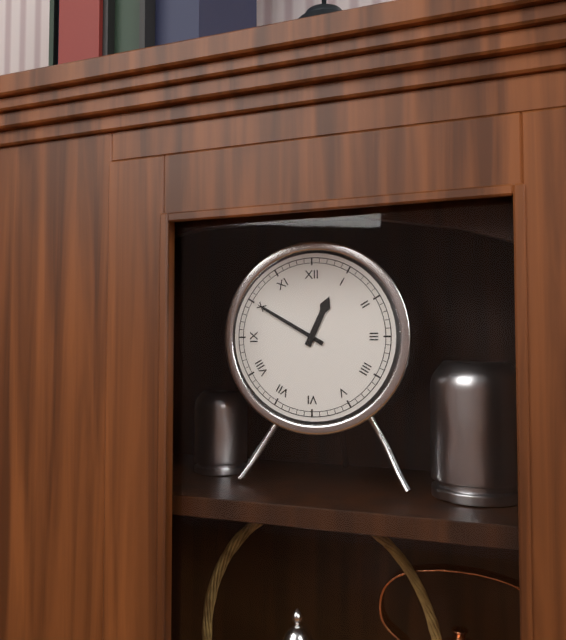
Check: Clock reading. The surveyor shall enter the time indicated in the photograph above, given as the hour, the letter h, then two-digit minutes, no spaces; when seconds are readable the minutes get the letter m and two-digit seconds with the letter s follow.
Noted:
12h50
